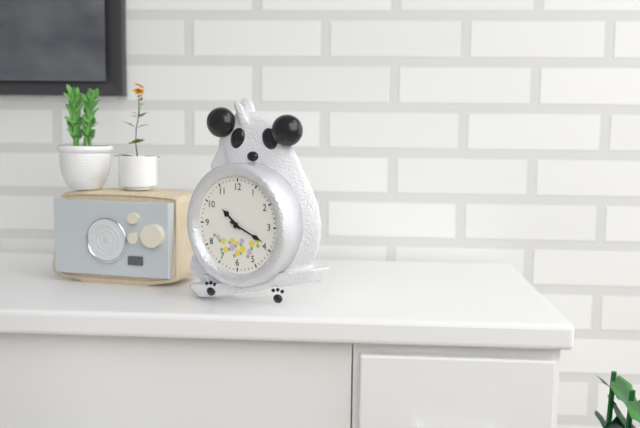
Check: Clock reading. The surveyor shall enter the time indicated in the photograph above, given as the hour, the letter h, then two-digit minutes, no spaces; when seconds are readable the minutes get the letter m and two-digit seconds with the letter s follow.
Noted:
10h19
